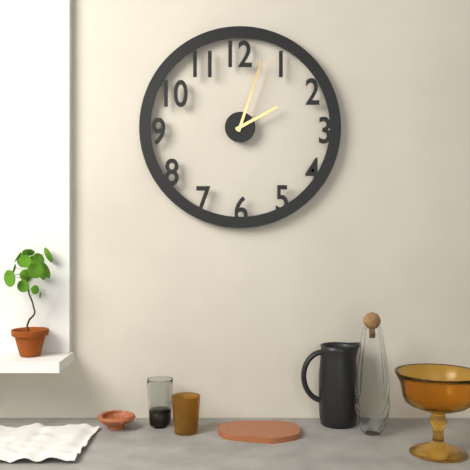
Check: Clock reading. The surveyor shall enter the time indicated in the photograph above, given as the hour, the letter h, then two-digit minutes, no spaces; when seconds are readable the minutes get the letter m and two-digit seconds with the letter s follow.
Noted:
2h03
